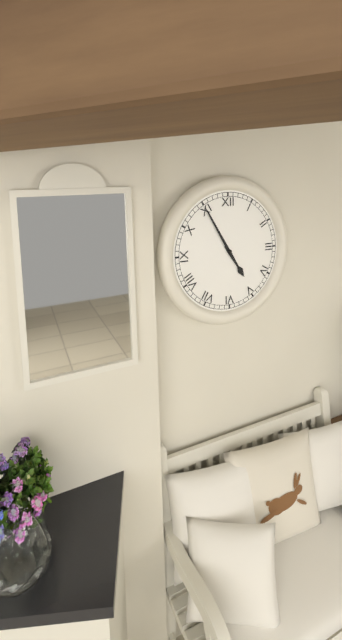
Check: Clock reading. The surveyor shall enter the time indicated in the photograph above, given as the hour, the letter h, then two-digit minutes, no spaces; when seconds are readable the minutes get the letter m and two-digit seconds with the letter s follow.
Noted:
4h55
